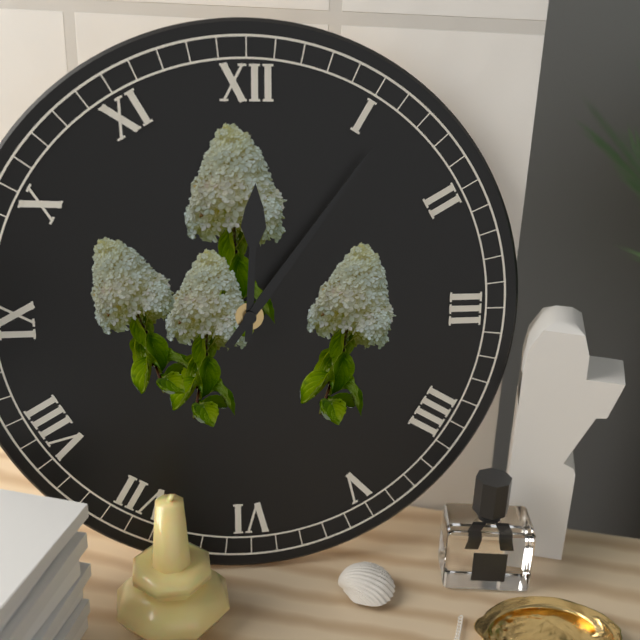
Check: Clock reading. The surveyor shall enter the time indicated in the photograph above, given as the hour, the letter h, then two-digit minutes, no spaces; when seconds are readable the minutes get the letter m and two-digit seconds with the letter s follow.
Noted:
12h06
